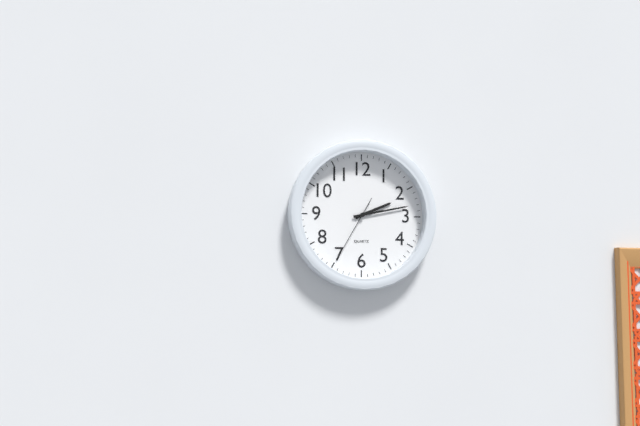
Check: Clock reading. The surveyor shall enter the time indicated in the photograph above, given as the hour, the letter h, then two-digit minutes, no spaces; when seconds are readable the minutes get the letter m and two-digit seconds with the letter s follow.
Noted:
2h13m35s
